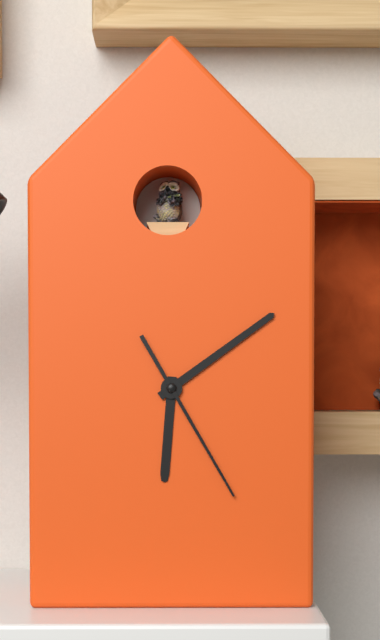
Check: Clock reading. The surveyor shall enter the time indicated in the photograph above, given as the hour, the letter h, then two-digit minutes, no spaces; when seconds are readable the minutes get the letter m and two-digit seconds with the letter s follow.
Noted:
6h09m25s
